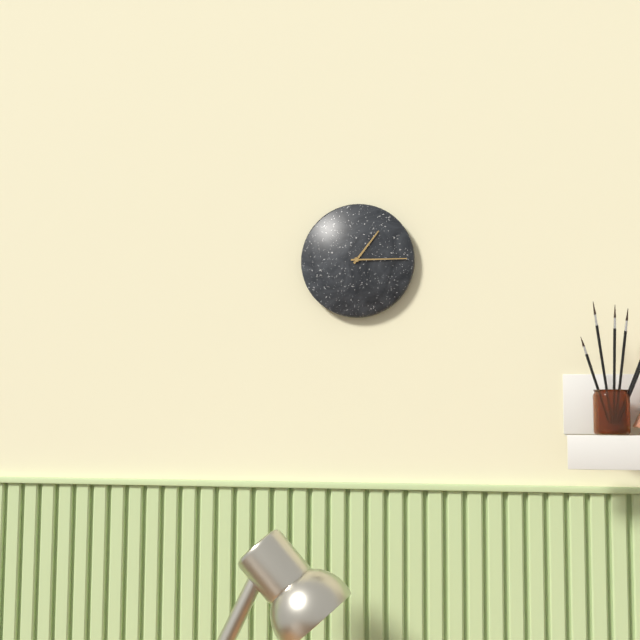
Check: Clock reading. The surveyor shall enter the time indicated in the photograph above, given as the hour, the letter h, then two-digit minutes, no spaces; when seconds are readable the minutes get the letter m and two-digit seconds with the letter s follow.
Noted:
1h15
